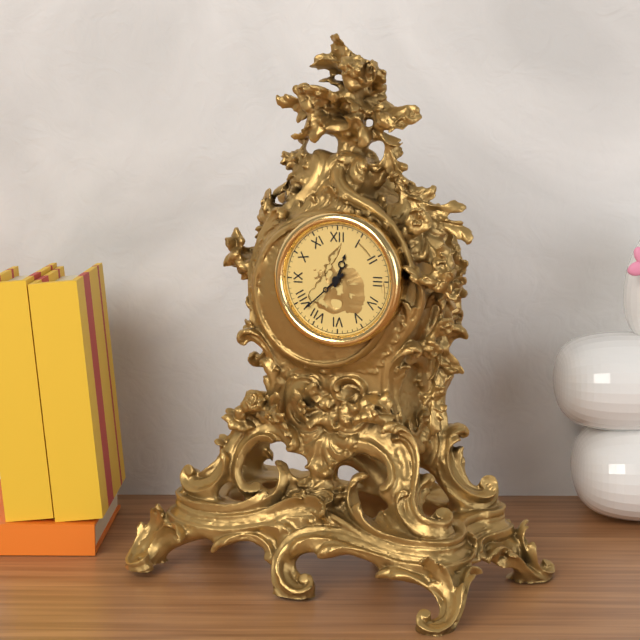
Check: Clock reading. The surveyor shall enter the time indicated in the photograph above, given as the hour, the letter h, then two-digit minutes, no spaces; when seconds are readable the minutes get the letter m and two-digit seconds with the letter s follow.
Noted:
12h38
